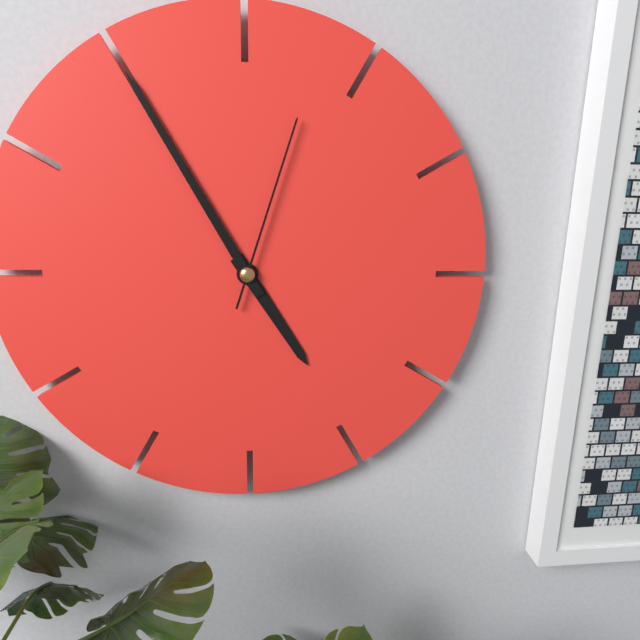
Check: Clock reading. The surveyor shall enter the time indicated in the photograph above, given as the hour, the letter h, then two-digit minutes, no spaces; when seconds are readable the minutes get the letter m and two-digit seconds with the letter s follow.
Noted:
4h55m03s
